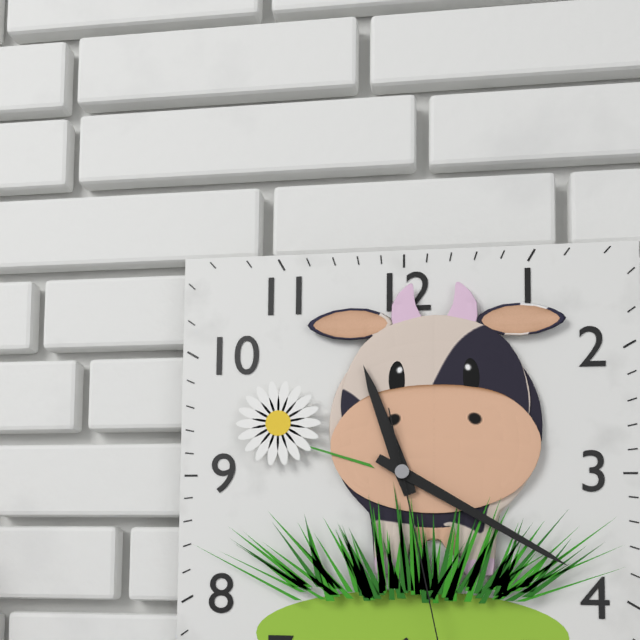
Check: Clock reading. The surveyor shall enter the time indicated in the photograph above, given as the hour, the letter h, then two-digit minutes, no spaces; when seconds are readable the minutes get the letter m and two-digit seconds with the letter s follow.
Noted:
11h20
